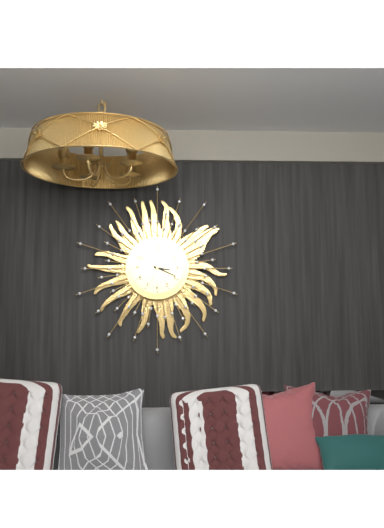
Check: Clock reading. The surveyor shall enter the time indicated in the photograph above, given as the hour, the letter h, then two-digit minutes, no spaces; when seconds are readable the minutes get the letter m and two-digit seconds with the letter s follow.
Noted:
3h19
